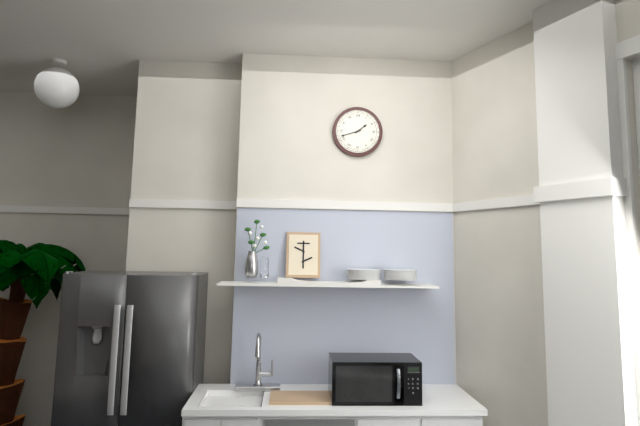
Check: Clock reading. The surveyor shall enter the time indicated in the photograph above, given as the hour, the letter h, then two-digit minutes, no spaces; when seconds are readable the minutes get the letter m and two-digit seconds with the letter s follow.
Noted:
1h42
